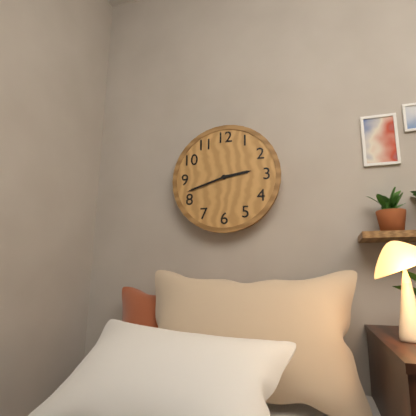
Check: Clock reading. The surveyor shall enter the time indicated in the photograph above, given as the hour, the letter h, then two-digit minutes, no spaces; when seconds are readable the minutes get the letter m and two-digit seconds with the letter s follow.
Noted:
2h42
